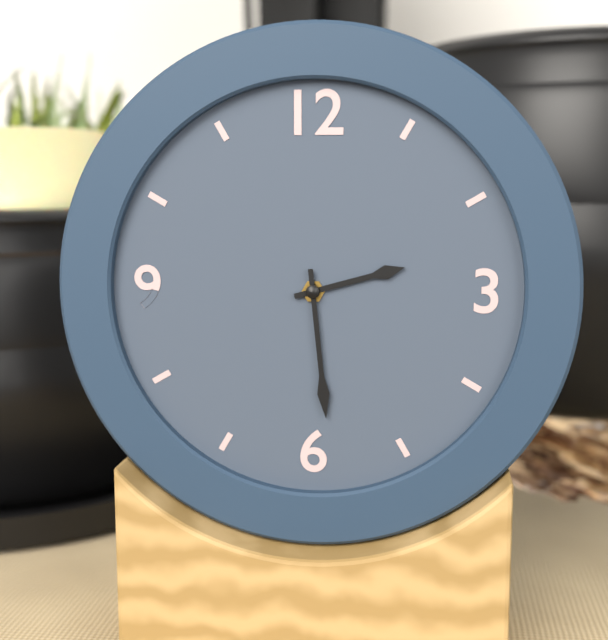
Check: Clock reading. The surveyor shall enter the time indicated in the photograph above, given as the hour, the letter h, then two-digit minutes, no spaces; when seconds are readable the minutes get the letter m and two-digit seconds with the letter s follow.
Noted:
2h29
